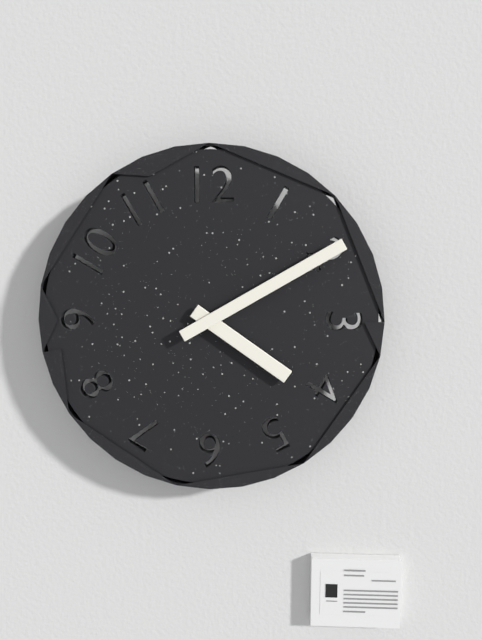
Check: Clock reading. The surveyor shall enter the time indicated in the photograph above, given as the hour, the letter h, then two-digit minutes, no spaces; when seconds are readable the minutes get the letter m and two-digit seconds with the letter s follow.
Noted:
4h10
